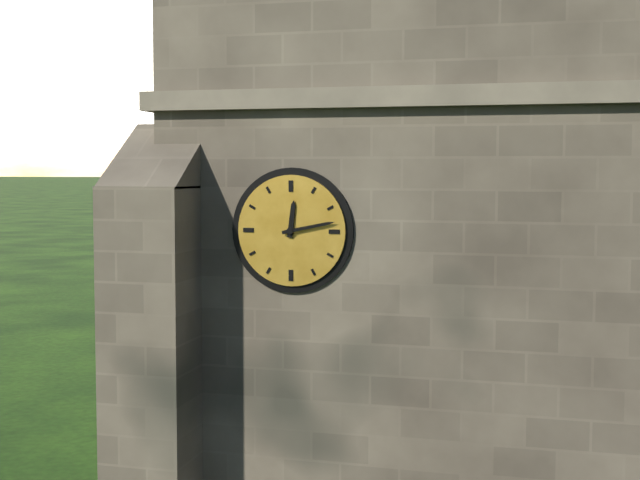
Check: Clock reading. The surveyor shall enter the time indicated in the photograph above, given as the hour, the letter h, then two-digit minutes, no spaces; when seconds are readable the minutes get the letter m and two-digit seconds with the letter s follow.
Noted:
12h13
